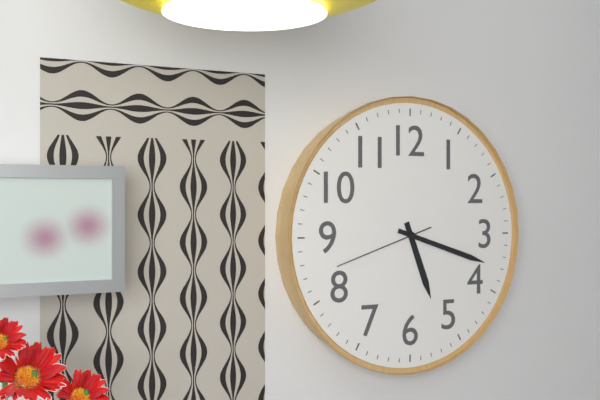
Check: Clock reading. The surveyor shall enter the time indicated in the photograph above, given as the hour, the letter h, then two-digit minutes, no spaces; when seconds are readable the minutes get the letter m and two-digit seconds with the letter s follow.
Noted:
5h18m42s
